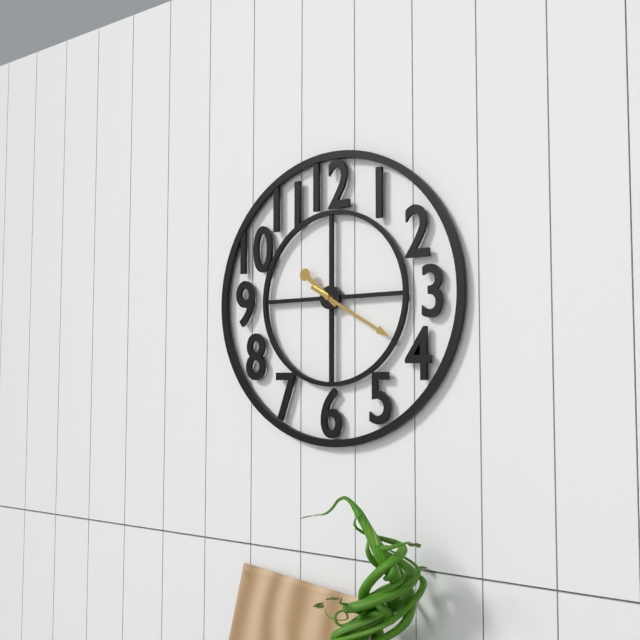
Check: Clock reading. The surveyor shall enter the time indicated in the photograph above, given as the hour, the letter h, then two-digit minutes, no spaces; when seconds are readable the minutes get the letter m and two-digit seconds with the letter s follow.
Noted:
10h20
